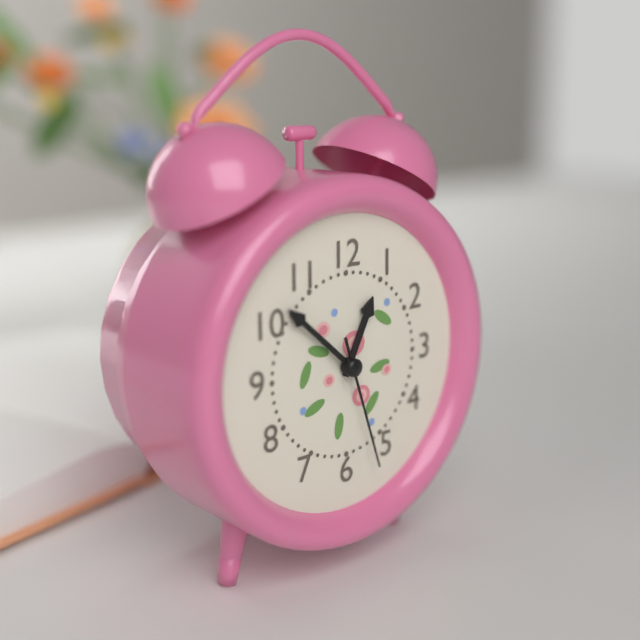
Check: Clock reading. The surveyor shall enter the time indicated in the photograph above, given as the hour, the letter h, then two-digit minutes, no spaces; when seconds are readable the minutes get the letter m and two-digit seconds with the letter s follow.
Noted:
12h52m27s
